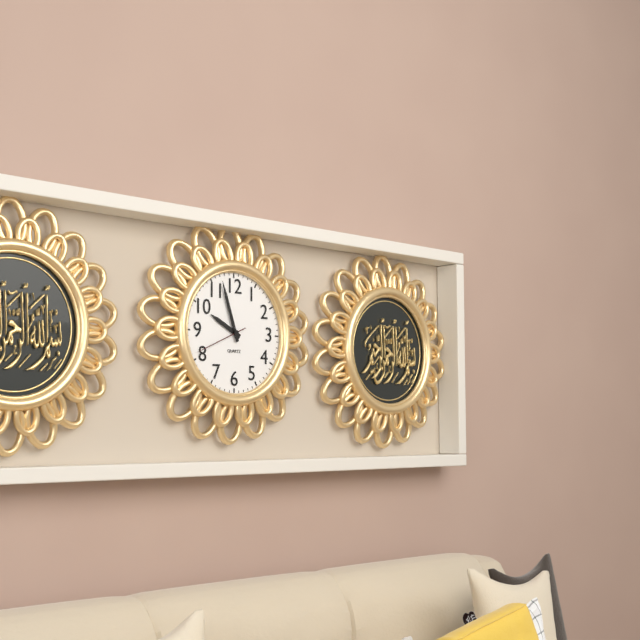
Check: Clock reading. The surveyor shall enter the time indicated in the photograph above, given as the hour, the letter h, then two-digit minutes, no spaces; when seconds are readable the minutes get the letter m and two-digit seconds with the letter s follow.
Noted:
9h57m41s
